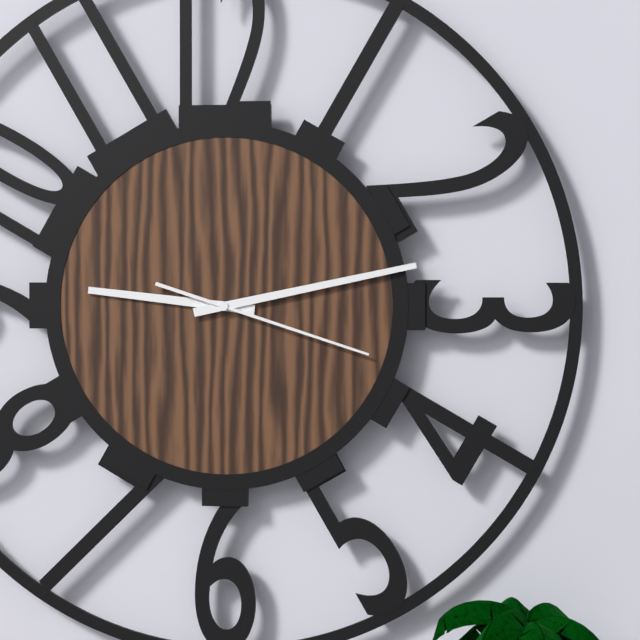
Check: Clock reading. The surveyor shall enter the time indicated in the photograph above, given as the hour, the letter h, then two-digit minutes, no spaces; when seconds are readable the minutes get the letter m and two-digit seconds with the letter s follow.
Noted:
9h13m18s
